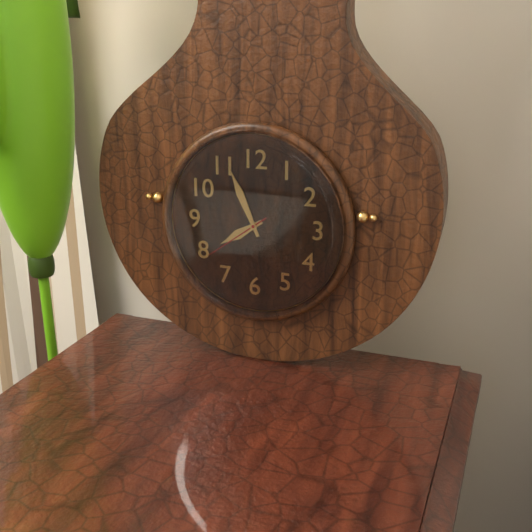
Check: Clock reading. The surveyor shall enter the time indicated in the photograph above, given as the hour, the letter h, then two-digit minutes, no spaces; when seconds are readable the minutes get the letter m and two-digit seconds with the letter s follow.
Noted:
7h56m39s
